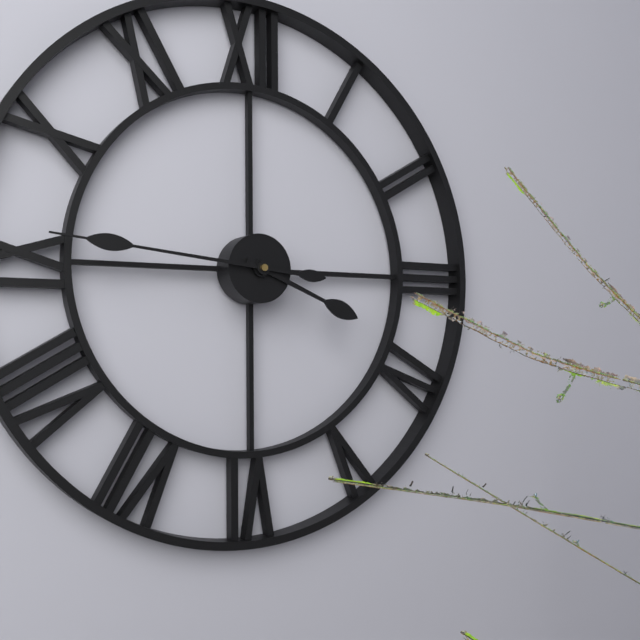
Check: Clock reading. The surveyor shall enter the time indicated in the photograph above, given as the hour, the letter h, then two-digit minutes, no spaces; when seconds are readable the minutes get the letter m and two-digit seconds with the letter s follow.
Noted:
3h46
